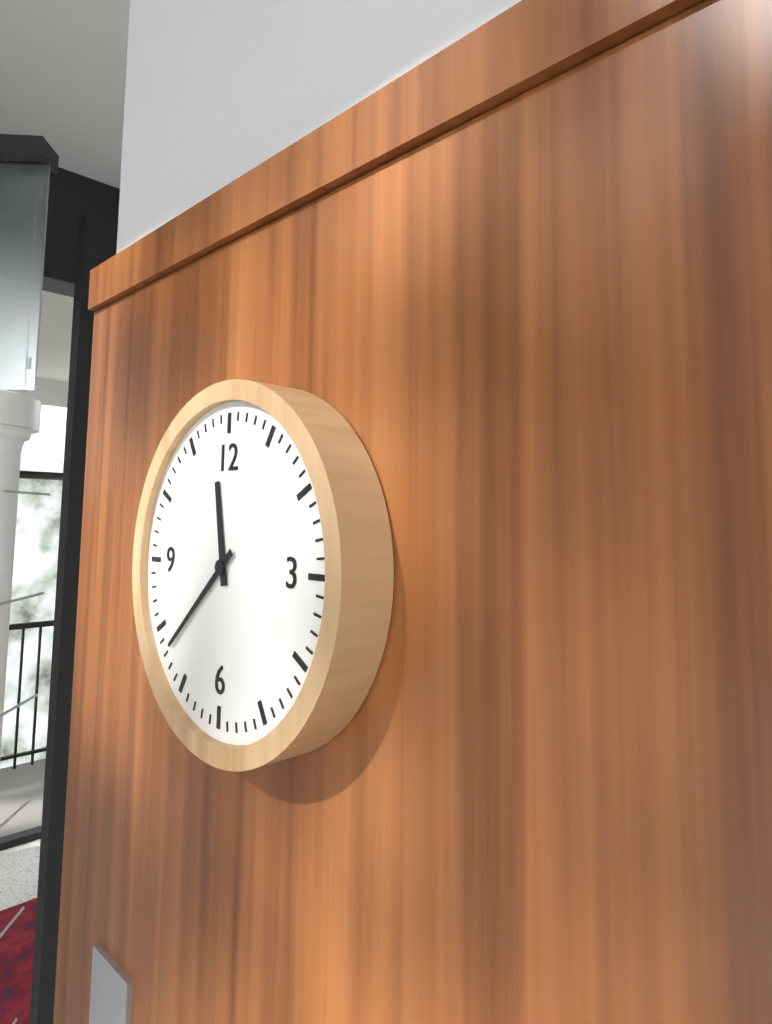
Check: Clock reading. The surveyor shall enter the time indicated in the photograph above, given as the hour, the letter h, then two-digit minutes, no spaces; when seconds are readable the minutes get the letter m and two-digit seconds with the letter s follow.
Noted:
11h38
